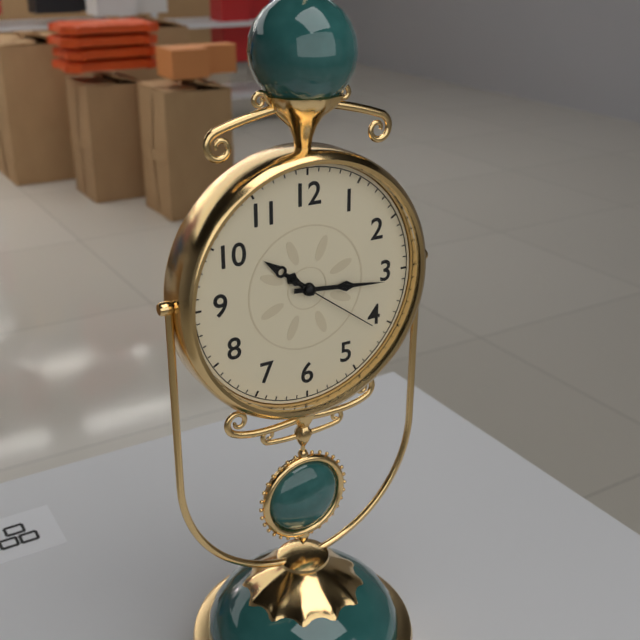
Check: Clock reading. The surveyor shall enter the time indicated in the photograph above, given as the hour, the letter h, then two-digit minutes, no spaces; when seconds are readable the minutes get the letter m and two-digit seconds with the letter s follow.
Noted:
10h16m21s
